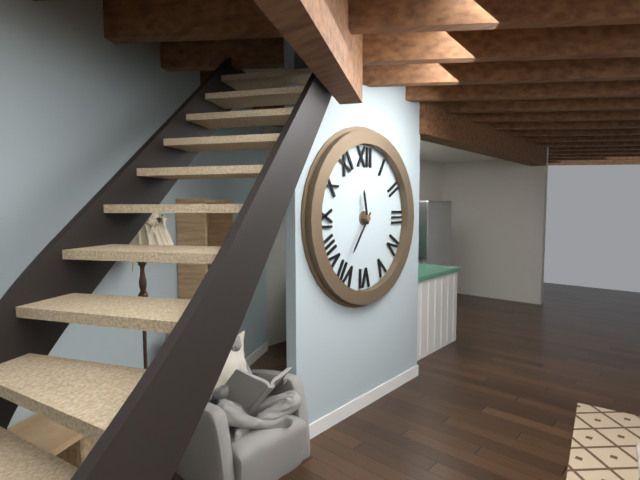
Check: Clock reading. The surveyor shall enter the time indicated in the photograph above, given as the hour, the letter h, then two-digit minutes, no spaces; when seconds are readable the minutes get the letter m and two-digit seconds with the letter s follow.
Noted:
11h36
